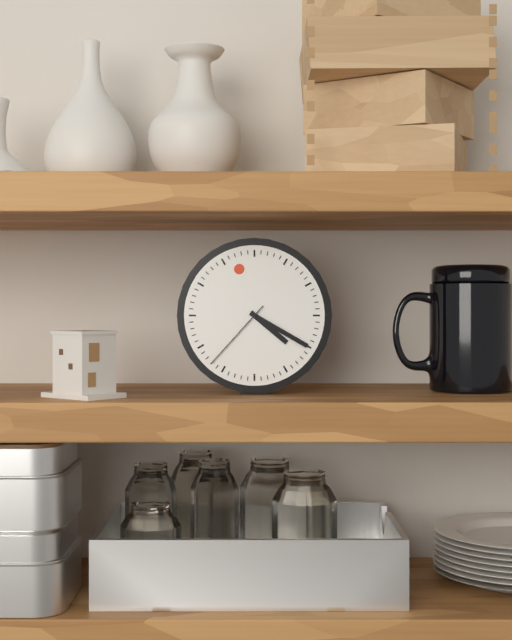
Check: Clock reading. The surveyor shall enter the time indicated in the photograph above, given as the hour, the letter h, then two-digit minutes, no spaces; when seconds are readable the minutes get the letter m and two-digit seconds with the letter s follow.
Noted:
4h20m37s
